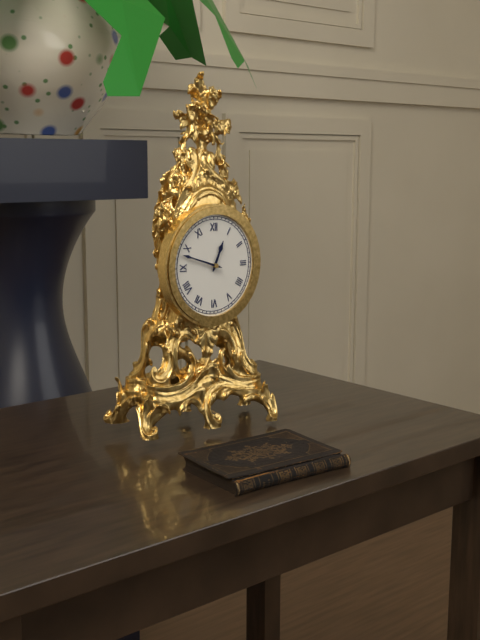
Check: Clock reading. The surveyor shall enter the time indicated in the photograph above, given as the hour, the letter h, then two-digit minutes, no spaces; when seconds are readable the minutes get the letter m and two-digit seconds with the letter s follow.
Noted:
12h48
